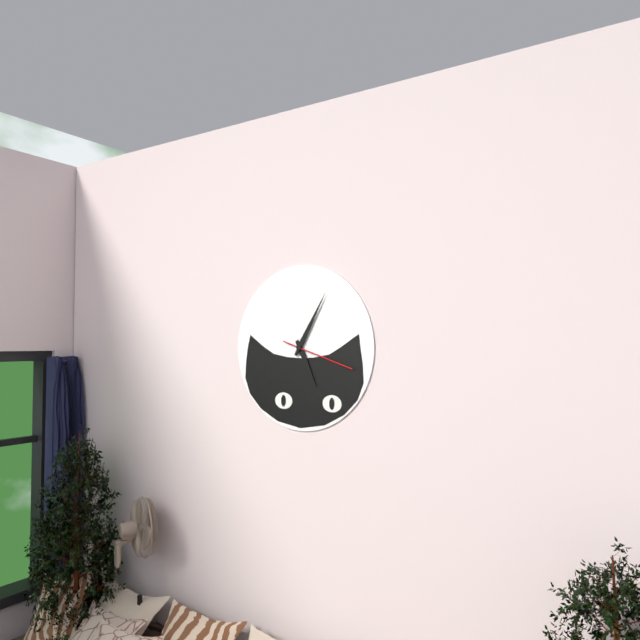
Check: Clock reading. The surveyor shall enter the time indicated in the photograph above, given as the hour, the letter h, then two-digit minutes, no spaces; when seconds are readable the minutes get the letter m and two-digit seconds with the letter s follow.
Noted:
5h05m18s
